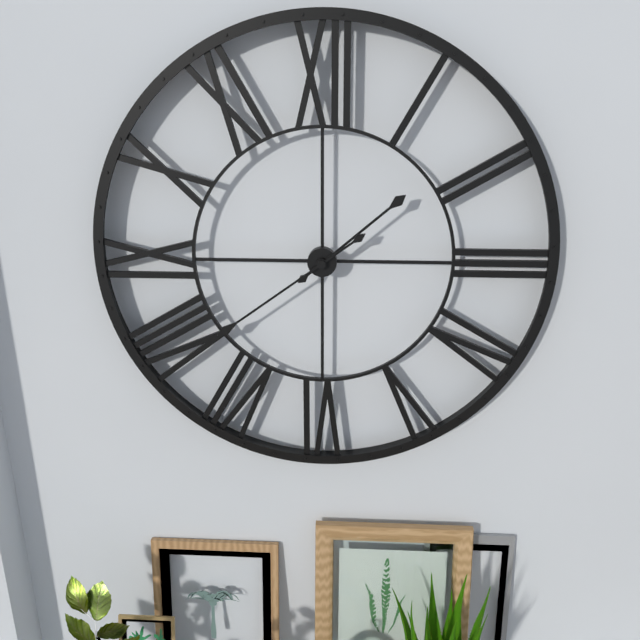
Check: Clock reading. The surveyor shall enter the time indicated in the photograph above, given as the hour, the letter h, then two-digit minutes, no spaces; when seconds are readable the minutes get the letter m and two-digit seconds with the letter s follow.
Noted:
1h39
